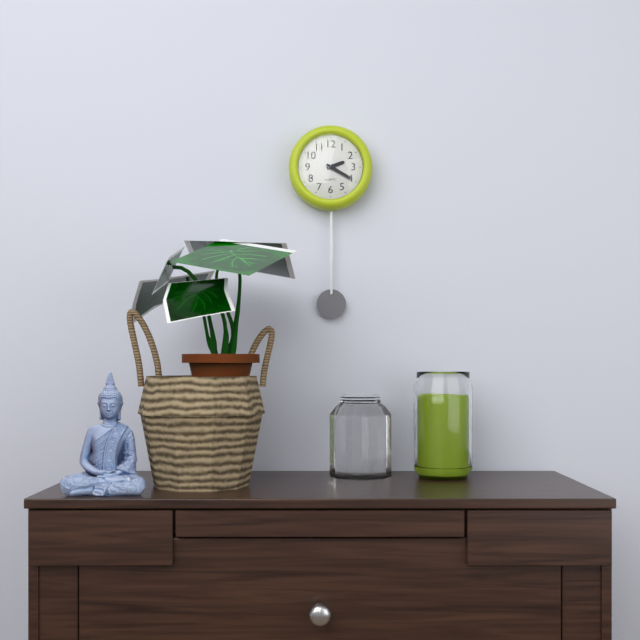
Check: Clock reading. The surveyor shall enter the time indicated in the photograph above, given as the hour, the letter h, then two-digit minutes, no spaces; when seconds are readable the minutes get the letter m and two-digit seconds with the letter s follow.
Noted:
2h20
